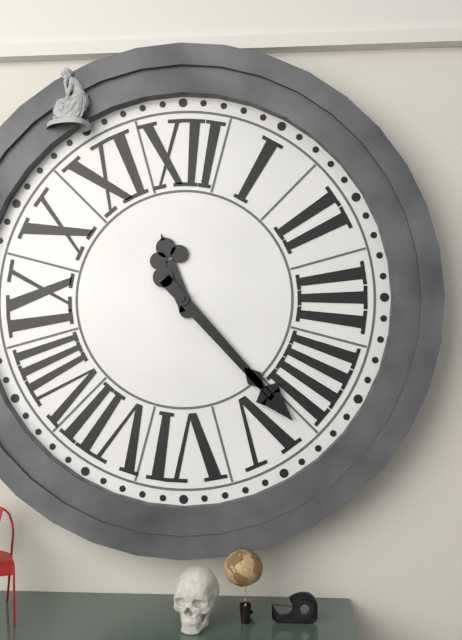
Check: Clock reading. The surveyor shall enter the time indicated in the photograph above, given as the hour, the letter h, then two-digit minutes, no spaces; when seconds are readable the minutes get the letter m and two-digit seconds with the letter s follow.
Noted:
11h23
